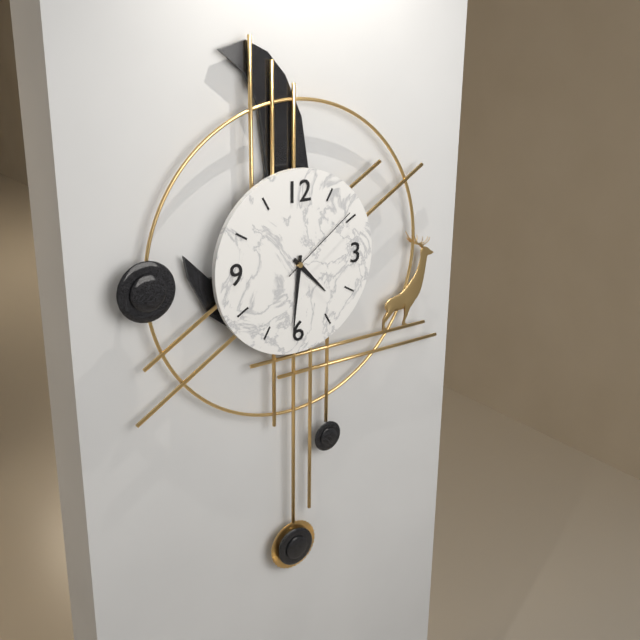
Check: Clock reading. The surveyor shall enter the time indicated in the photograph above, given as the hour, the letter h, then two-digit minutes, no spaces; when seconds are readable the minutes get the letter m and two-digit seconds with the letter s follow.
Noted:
4h31m09s
